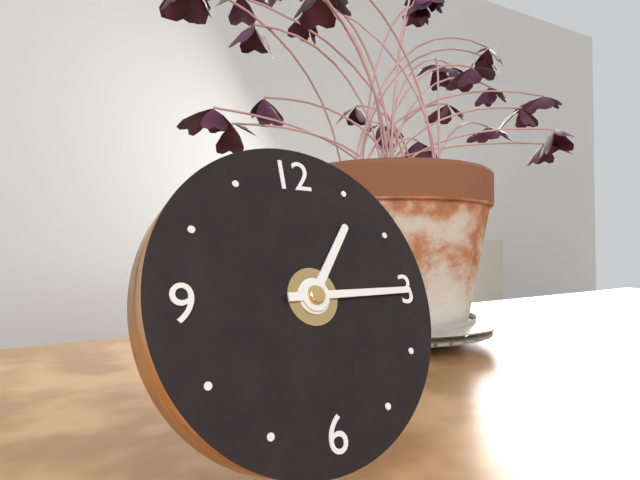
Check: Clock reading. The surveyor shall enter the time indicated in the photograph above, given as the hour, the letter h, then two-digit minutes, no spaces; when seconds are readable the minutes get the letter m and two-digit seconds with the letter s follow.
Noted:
1h15
